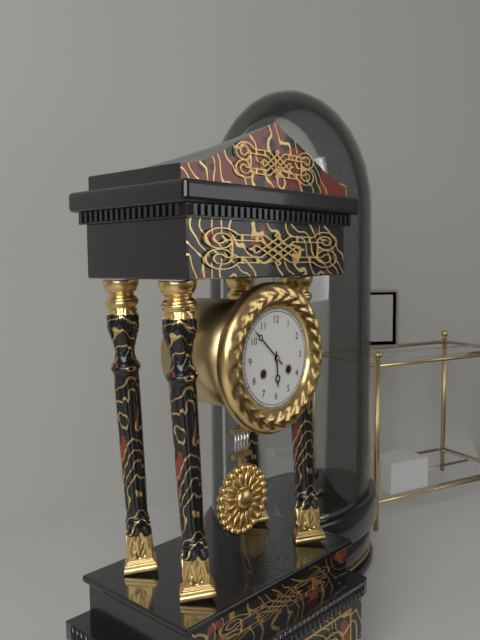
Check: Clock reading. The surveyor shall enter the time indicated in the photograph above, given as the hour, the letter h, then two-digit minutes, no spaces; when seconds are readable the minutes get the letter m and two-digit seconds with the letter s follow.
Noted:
5h52
